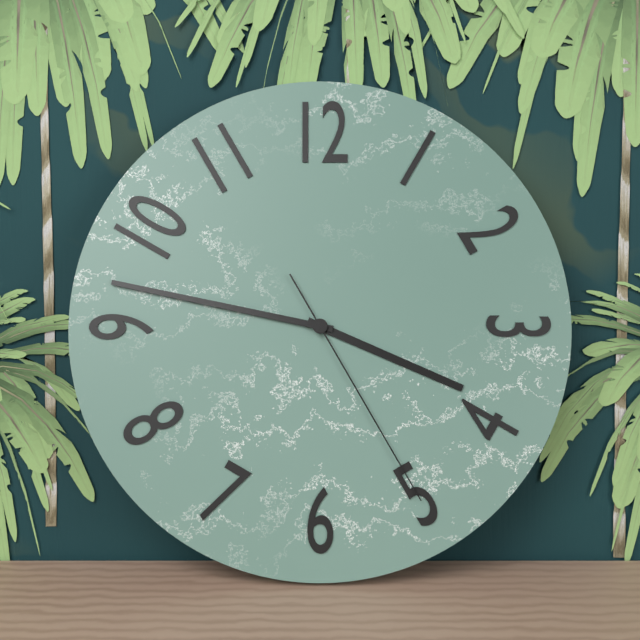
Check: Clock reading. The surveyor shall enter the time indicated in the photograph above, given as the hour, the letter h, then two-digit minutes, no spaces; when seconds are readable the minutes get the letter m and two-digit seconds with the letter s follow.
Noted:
3h47m25s
